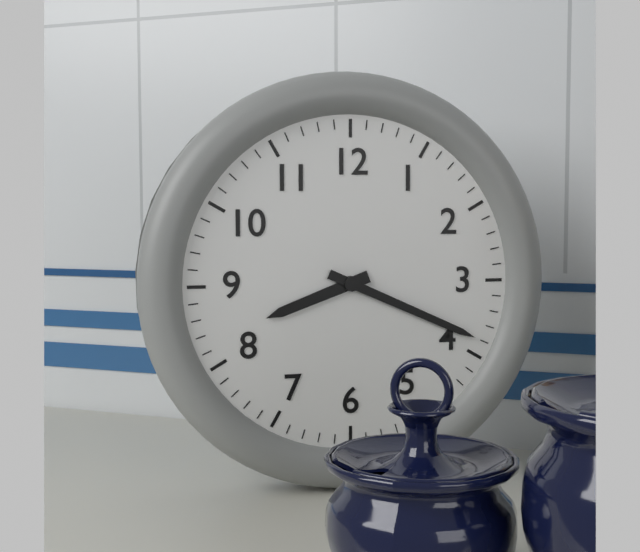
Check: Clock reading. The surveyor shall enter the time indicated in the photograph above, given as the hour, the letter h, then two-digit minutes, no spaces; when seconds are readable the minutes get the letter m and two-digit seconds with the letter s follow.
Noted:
8h19
